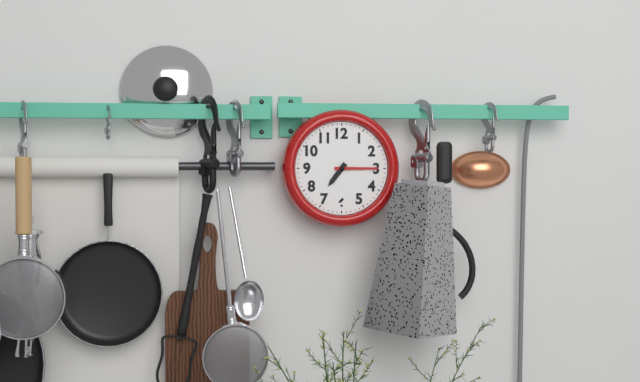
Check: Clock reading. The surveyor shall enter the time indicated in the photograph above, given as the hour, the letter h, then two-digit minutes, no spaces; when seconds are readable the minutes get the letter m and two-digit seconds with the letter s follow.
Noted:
7h15
